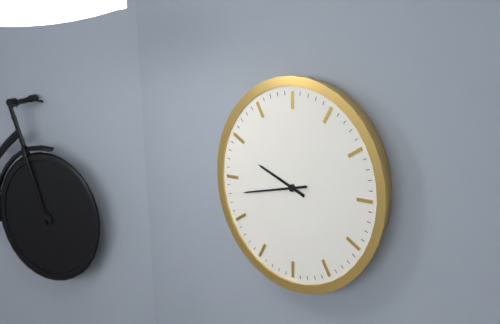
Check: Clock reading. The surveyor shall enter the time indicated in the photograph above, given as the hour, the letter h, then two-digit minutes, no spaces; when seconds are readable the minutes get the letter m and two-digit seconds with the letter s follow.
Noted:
9h43
